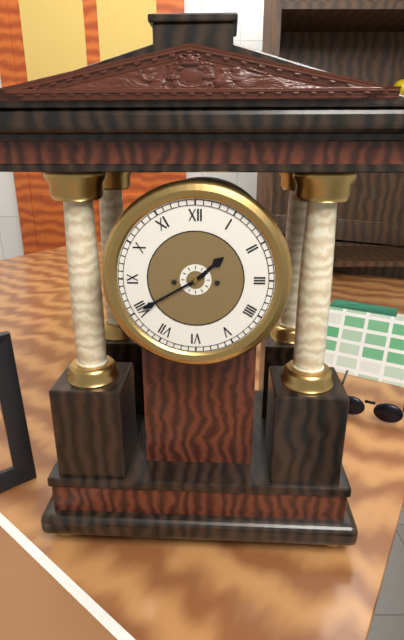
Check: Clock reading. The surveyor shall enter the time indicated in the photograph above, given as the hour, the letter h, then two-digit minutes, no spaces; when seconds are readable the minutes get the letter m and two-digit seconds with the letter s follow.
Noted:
1h40
